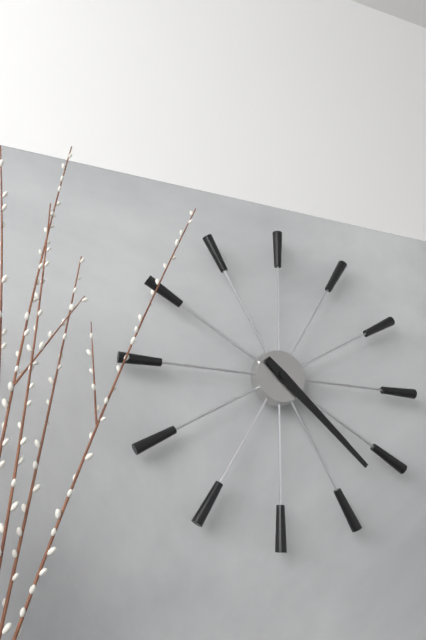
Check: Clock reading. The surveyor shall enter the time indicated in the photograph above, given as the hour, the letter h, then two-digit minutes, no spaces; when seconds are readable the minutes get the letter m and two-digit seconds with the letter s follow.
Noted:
4h22
